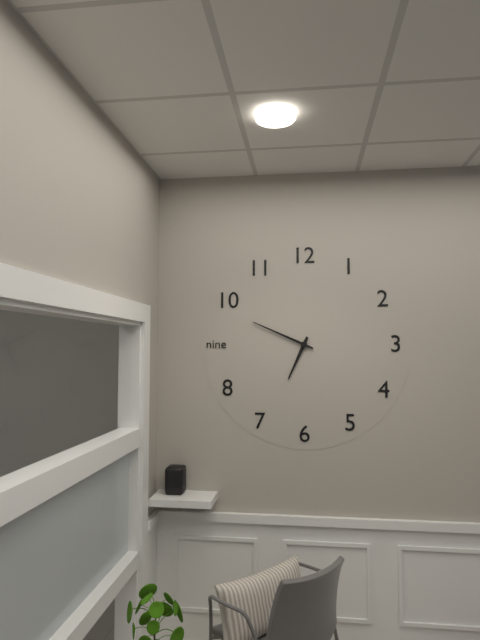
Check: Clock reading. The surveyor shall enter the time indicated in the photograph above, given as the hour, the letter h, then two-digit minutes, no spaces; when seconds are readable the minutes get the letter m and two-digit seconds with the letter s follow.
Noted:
6h49
